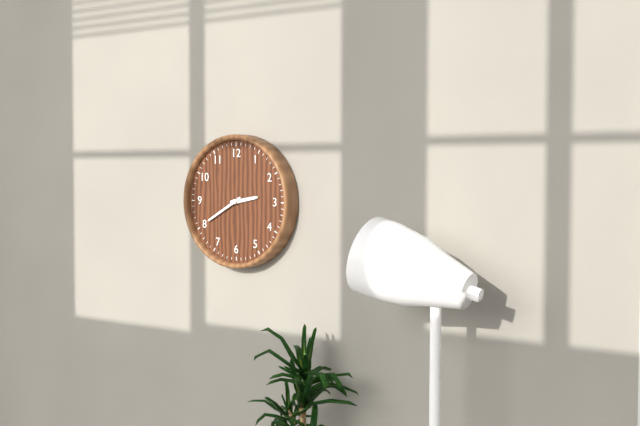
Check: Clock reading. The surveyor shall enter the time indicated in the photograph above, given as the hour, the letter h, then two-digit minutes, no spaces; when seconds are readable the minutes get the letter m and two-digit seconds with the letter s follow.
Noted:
2h40
